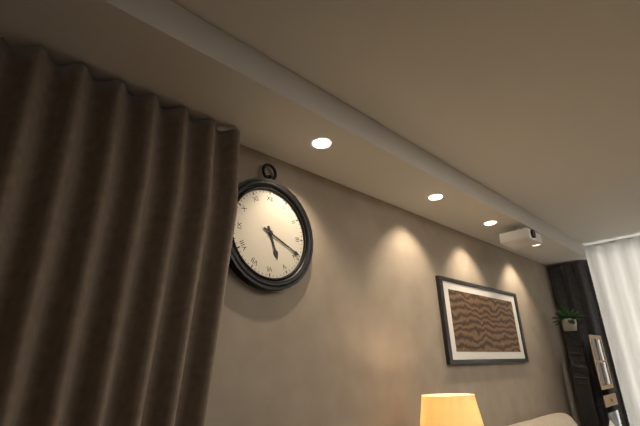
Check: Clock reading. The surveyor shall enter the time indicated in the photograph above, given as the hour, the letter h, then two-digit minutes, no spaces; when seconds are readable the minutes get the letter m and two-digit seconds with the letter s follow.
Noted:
5h19
